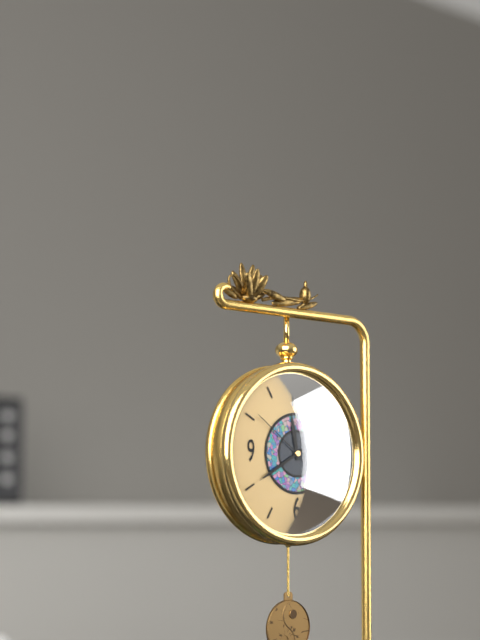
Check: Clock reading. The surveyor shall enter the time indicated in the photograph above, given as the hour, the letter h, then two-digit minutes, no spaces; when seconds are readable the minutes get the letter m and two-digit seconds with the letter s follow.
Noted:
11h40m51s
